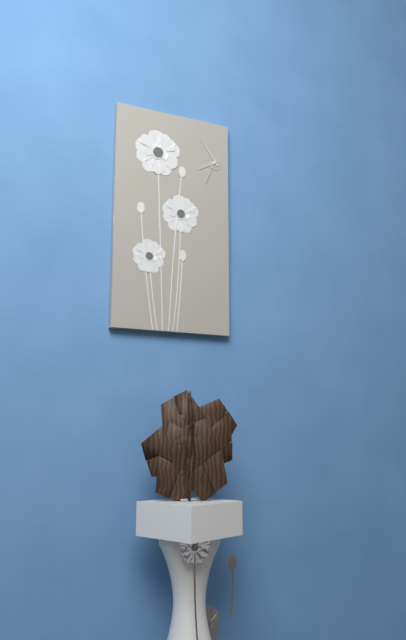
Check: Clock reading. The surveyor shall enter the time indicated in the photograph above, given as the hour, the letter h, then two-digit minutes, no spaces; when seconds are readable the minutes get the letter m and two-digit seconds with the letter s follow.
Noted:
7h54
